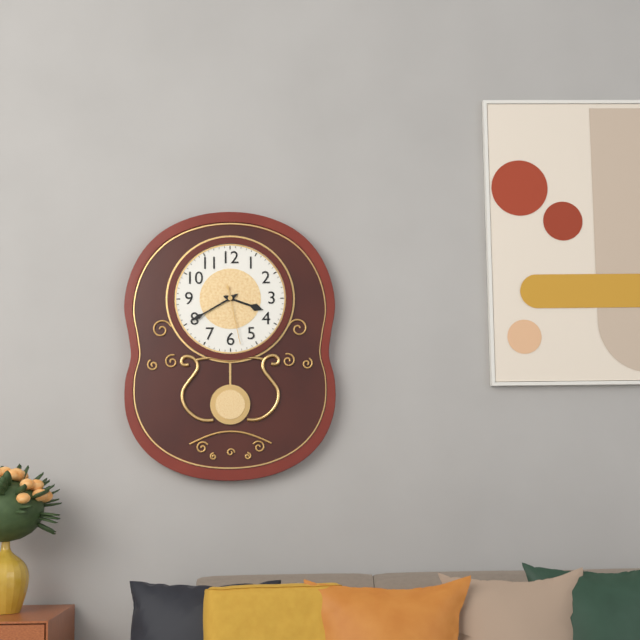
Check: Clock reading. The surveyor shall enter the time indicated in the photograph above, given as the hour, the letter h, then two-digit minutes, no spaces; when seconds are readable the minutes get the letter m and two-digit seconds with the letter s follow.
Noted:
3h40m28s
